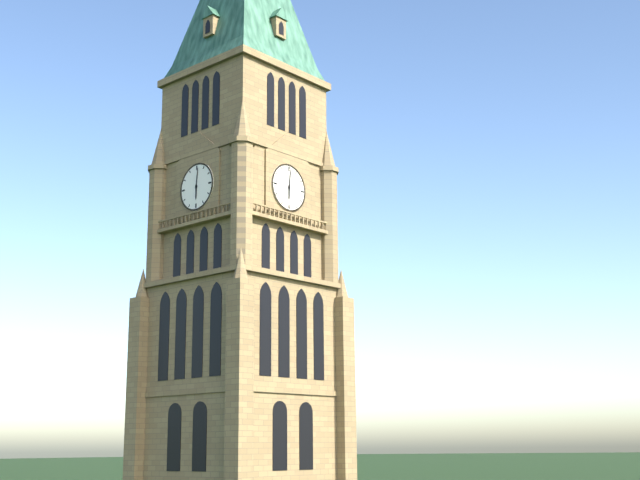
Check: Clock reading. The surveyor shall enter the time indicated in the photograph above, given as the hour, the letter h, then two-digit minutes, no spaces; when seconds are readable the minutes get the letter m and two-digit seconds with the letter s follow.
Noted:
6h01
